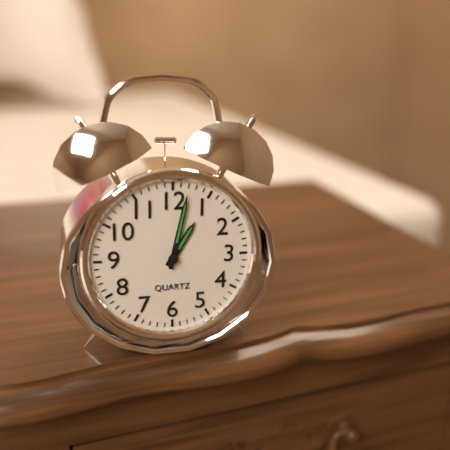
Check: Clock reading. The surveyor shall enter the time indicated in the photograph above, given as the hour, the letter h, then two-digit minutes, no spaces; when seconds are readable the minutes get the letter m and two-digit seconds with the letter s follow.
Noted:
1h02
